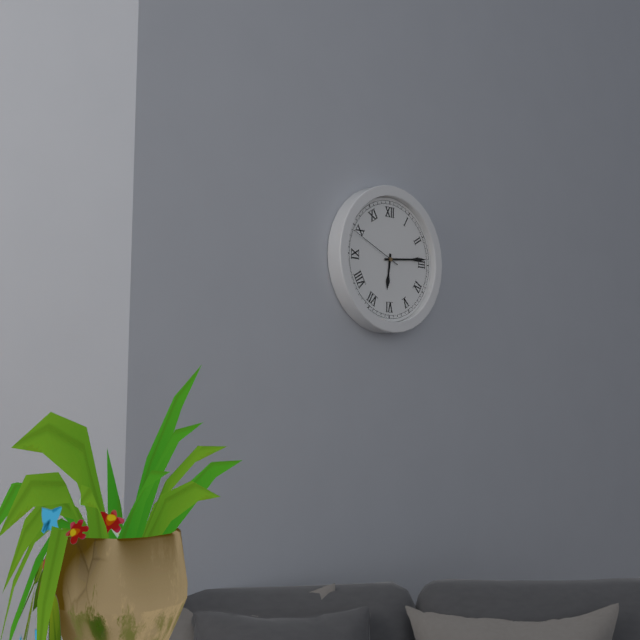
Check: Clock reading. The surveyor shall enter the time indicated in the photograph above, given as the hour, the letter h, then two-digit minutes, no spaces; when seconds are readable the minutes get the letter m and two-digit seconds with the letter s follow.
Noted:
6h14m49s
